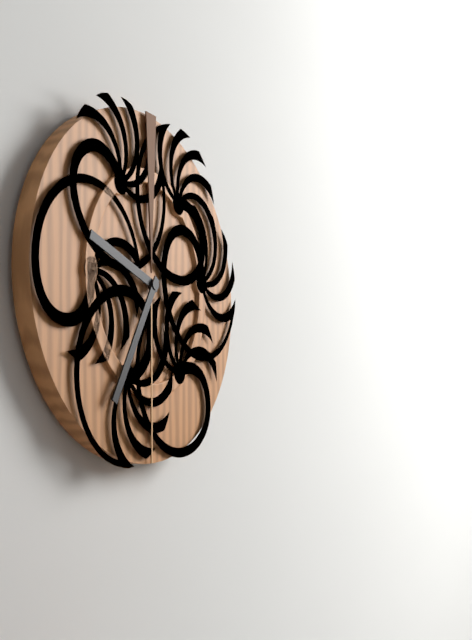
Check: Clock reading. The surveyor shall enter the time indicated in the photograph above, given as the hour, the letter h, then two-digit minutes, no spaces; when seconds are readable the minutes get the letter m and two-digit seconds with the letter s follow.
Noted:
9h35
